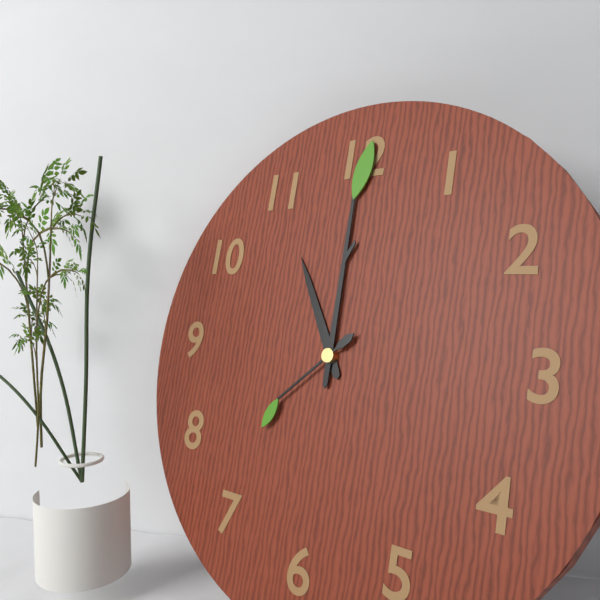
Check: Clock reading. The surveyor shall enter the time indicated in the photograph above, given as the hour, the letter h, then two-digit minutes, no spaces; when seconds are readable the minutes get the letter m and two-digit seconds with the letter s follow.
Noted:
11h00m38s
